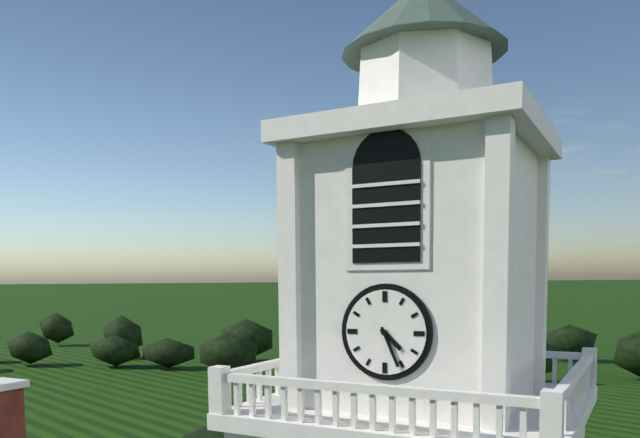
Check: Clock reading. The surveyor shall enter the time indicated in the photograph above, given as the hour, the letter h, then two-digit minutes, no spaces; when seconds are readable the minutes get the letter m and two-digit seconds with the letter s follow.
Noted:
4h26
